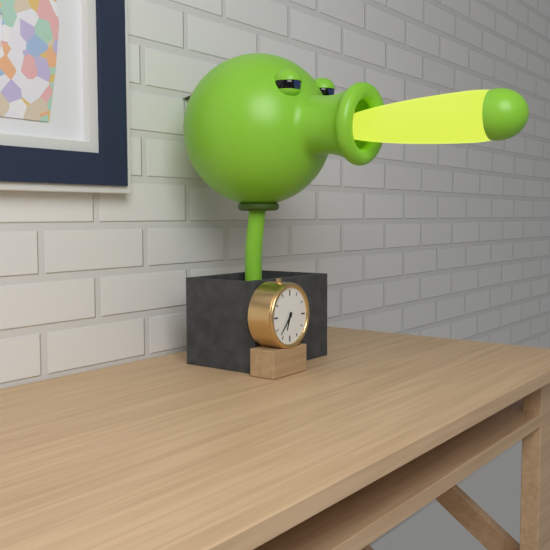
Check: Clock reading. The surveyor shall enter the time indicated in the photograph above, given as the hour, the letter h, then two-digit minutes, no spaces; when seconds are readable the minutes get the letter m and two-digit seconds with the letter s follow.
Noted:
6h37
